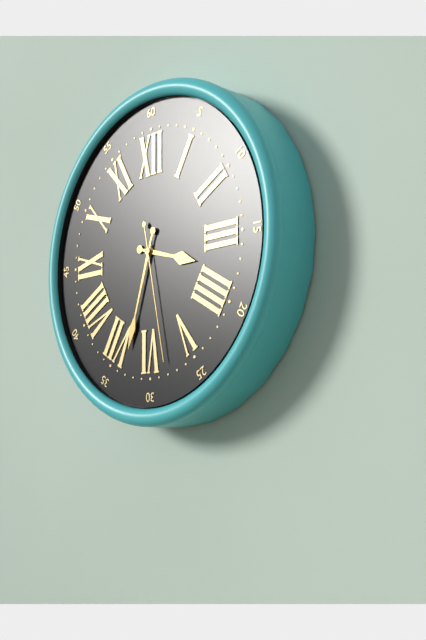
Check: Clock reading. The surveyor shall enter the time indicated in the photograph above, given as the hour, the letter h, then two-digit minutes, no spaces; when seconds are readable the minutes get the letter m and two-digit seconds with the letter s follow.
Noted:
3h33m28s
